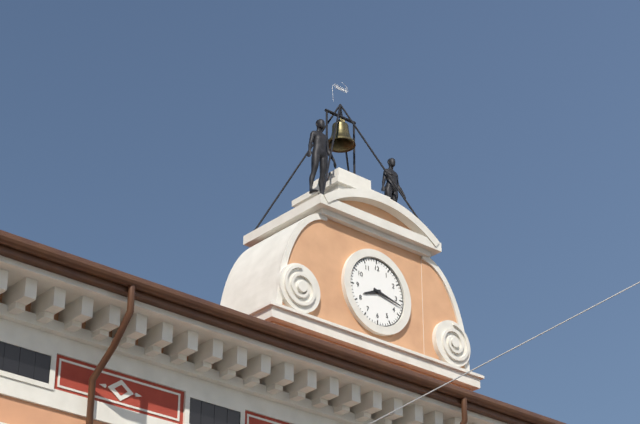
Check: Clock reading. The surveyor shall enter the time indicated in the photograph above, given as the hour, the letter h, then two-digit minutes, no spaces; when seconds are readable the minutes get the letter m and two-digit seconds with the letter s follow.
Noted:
8h17
